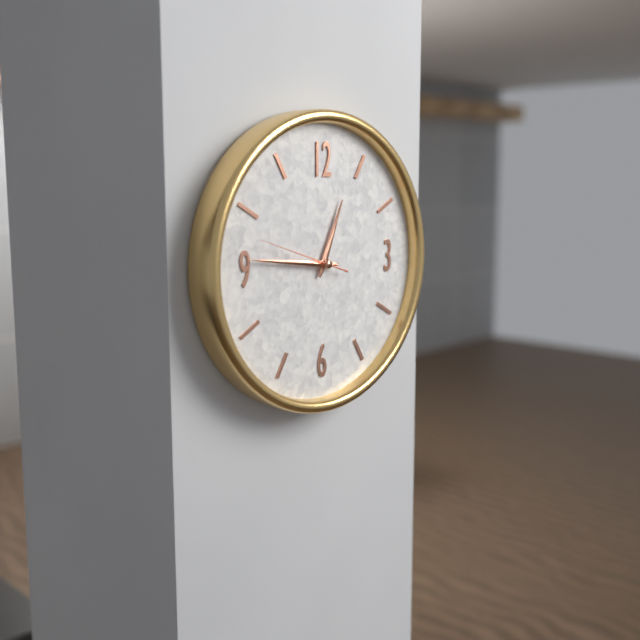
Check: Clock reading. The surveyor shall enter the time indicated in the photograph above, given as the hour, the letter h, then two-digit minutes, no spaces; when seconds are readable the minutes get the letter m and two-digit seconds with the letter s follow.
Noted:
12h46m48s
